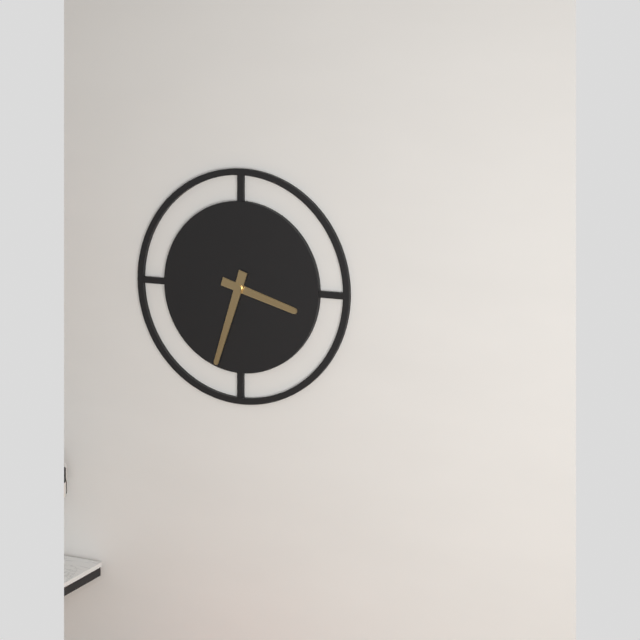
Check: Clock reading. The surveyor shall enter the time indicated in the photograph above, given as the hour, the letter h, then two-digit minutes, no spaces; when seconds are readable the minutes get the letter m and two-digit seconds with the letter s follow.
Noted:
3h33
